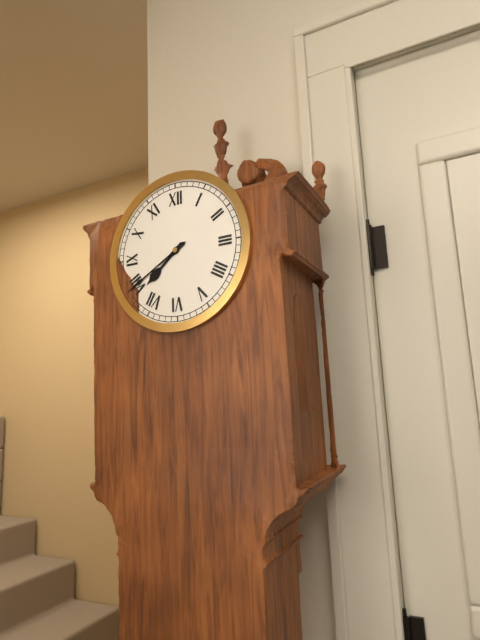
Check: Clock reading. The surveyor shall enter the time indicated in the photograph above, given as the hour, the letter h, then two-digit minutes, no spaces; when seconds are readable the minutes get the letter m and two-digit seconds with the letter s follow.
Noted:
7h40
